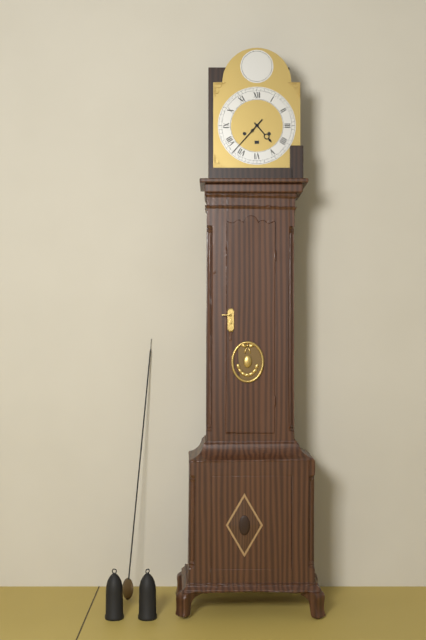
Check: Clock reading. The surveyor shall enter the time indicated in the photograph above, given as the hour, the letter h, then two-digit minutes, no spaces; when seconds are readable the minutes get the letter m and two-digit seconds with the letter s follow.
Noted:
4h37
